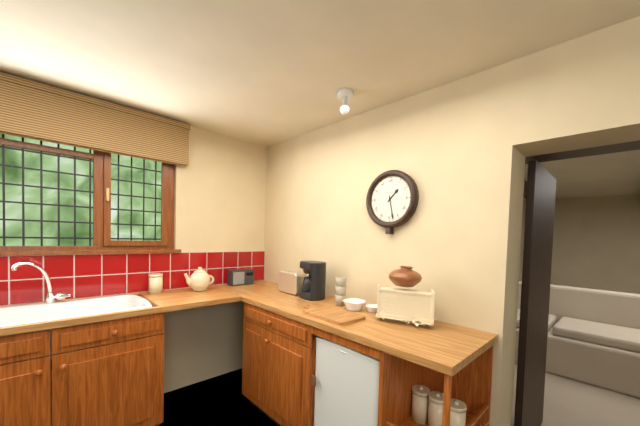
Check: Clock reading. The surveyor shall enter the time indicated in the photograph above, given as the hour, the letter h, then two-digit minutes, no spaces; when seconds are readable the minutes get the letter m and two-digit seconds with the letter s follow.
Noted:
1h28
